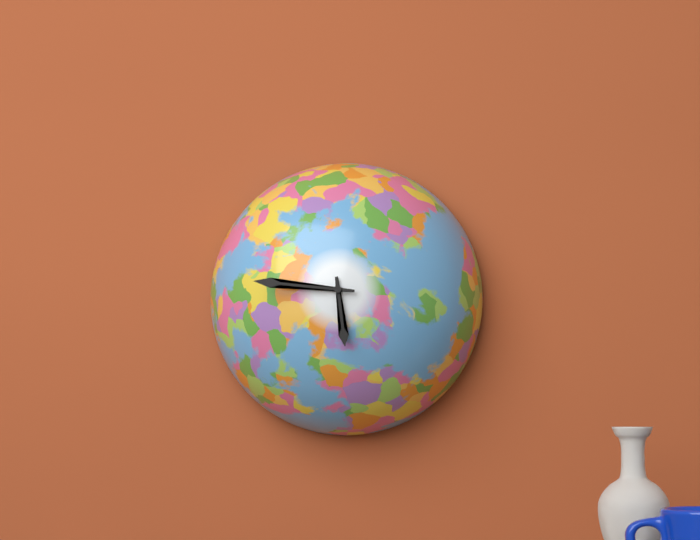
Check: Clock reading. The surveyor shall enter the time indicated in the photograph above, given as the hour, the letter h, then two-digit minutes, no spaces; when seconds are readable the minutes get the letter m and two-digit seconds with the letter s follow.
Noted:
5h46
